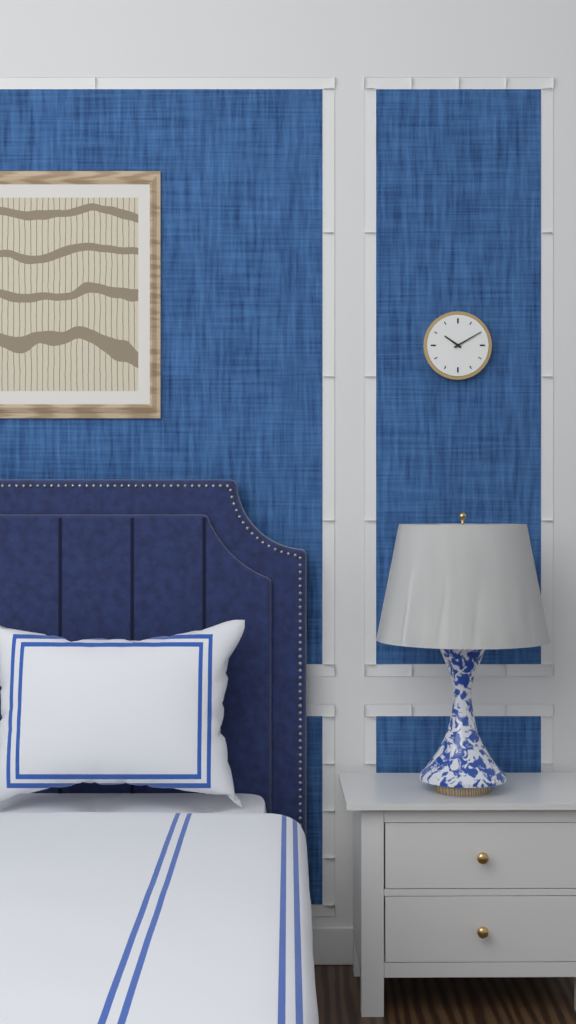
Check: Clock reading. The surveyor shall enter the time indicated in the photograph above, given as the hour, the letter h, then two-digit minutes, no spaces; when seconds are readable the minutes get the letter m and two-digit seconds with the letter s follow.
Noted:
10h10
